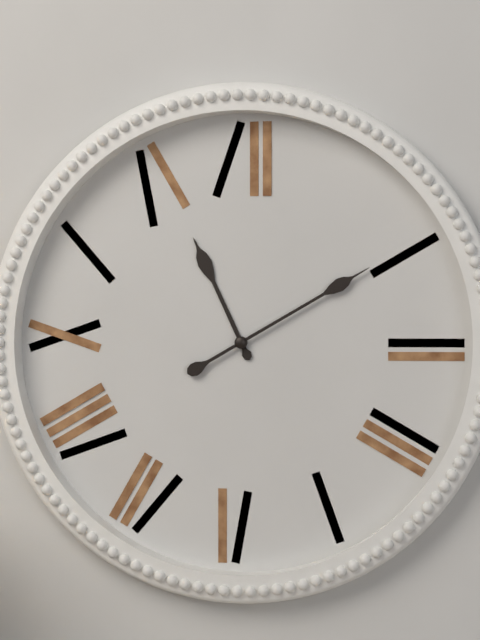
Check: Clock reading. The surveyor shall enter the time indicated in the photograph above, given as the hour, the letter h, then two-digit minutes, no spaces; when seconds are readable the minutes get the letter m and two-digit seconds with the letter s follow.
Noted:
11h10
